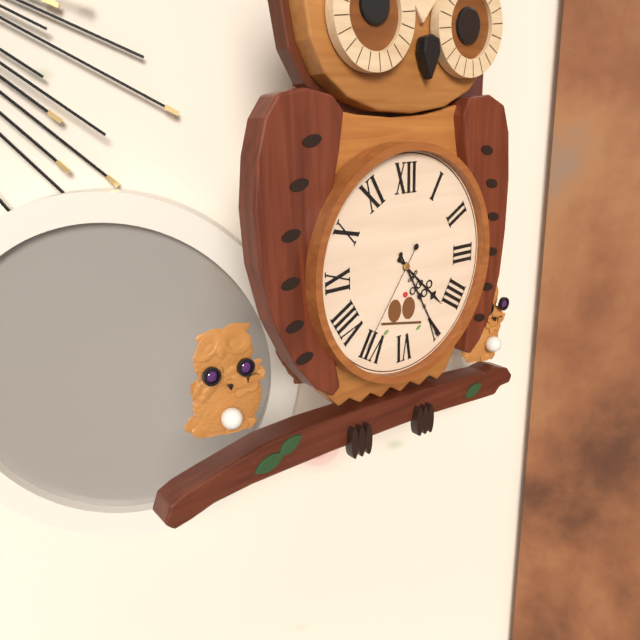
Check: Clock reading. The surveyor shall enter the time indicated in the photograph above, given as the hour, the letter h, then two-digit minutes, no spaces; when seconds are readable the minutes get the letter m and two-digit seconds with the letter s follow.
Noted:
4h25m36s
